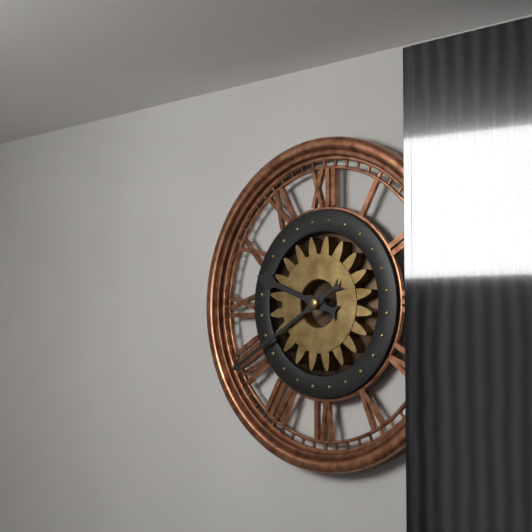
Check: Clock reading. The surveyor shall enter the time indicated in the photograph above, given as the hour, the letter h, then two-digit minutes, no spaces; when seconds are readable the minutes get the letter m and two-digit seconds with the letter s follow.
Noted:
9h40
